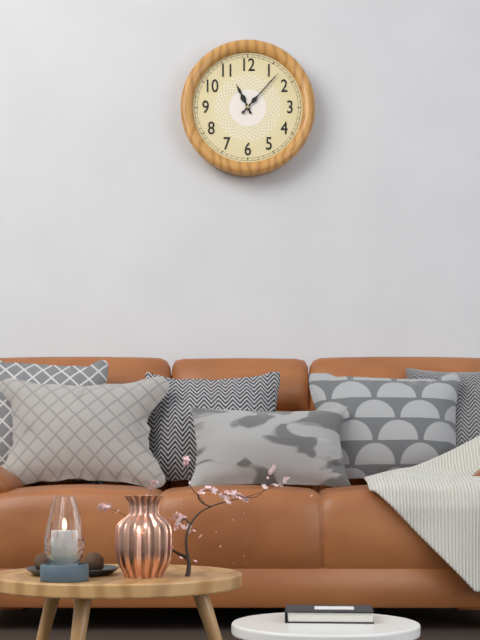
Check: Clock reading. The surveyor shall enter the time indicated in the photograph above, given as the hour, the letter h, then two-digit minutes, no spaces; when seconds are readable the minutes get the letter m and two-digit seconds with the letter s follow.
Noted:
11h07
